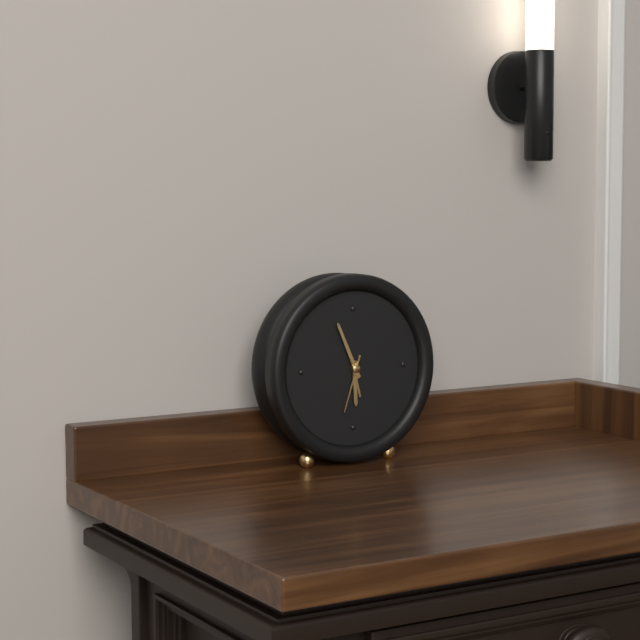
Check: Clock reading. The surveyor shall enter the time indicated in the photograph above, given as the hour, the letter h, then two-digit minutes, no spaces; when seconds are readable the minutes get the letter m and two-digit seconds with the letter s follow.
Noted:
5h56m33s
